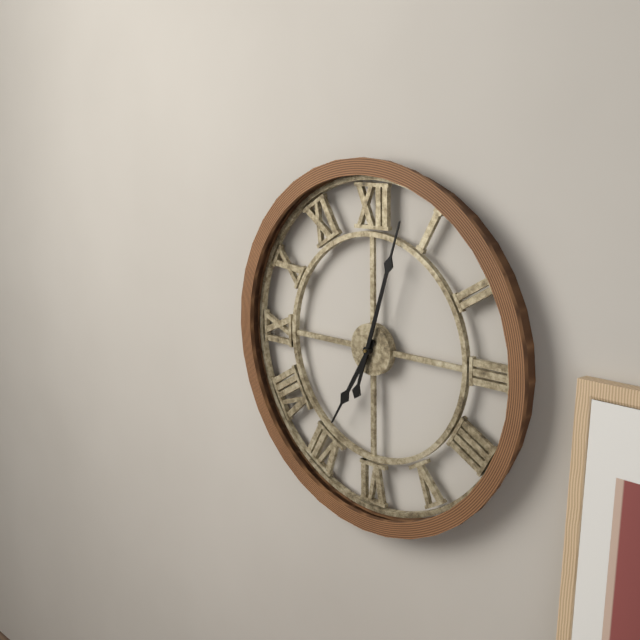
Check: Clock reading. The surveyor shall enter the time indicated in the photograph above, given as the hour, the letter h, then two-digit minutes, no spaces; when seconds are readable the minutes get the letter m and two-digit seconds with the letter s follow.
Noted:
7h03
